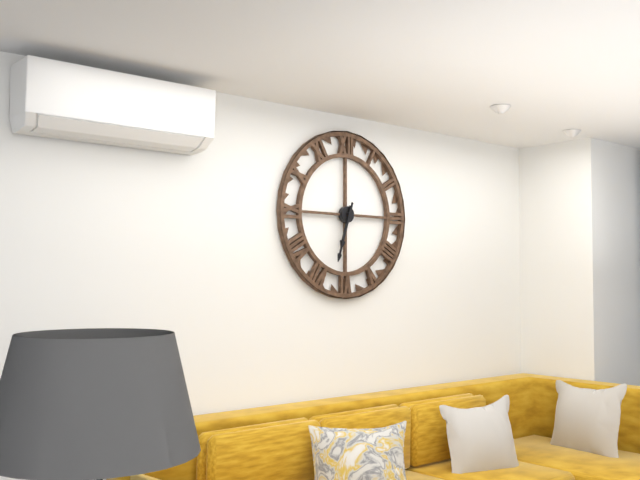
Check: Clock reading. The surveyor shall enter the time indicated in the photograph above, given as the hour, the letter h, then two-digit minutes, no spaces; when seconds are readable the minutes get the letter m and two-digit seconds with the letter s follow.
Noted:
6h33
